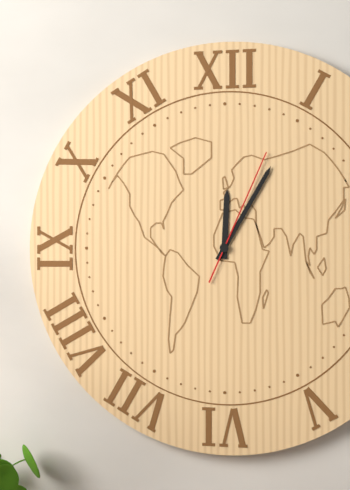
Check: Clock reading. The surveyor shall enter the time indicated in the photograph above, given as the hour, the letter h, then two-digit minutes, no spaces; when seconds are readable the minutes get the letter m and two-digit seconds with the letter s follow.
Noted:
12h05m04s
